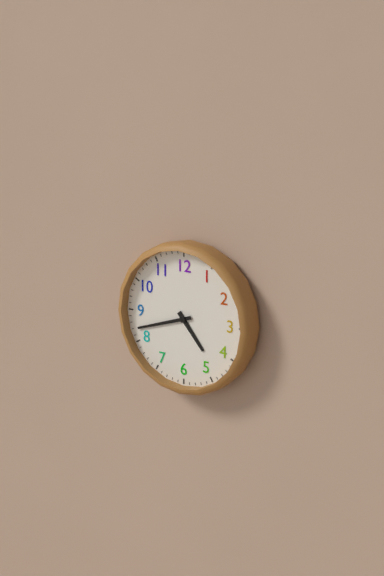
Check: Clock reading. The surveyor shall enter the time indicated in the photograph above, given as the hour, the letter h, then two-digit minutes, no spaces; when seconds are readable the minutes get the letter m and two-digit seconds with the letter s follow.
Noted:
4h42
